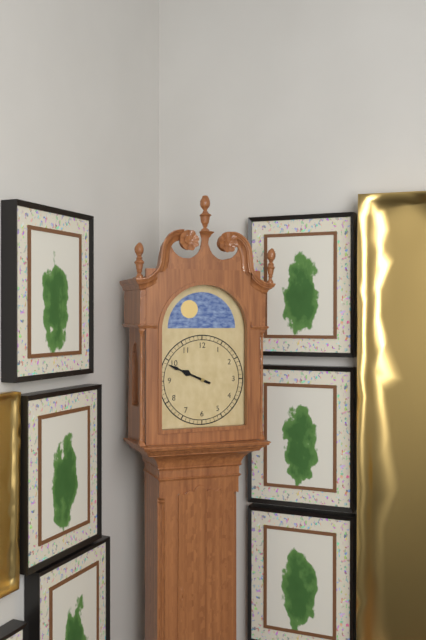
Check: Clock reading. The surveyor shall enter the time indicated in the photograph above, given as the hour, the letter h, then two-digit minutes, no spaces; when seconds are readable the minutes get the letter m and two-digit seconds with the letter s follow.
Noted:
9h49
